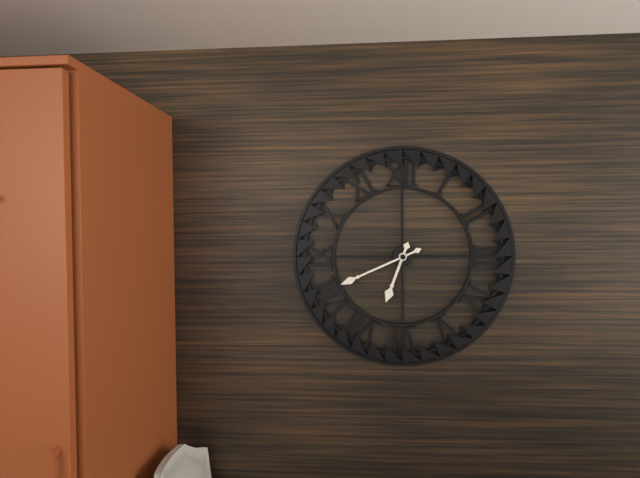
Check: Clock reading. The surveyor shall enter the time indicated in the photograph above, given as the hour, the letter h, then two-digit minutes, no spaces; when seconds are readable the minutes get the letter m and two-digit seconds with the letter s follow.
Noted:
6h41
